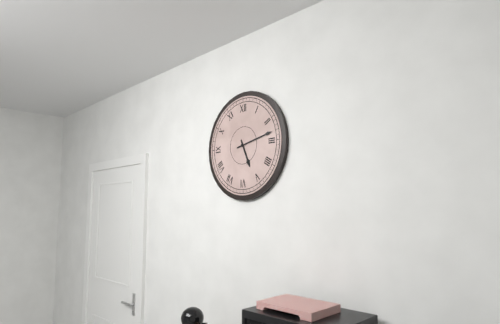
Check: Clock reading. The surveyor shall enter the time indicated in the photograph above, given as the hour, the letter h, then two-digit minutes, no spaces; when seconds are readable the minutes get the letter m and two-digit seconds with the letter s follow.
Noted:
5h13
